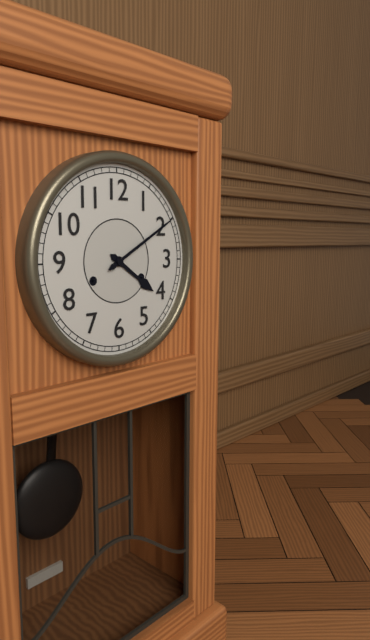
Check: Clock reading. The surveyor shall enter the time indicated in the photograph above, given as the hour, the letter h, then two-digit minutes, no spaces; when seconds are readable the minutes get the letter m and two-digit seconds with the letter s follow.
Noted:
4h10
